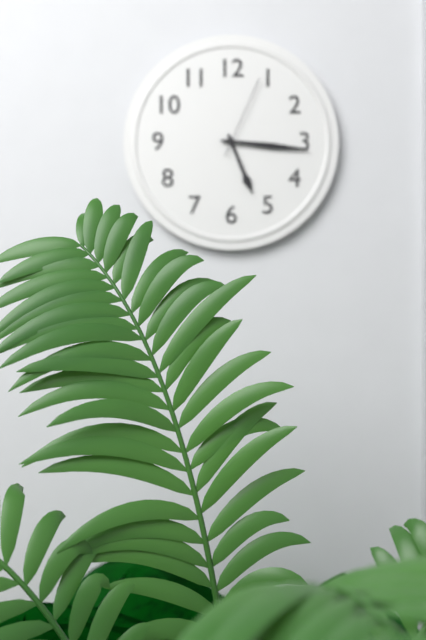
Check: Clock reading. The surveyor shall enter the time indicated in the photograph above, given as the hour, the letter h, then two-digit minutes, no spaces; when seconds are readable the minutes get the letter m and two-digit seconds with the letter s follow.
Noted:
5h16m04s
